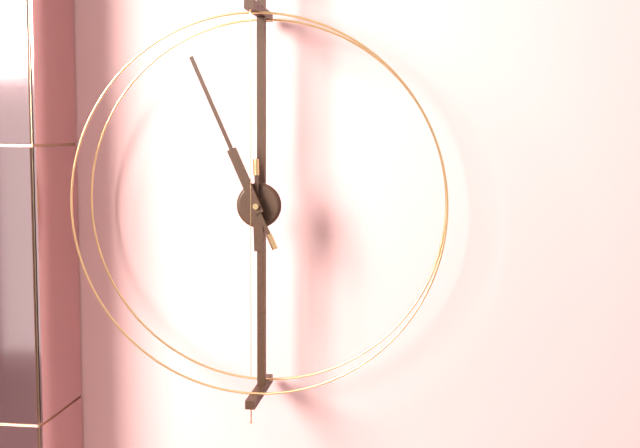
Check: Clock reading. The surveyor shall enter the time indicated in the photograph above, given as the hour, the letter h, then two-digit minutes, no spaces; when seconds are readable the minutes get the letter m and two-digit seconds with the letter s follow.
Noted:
5h56
